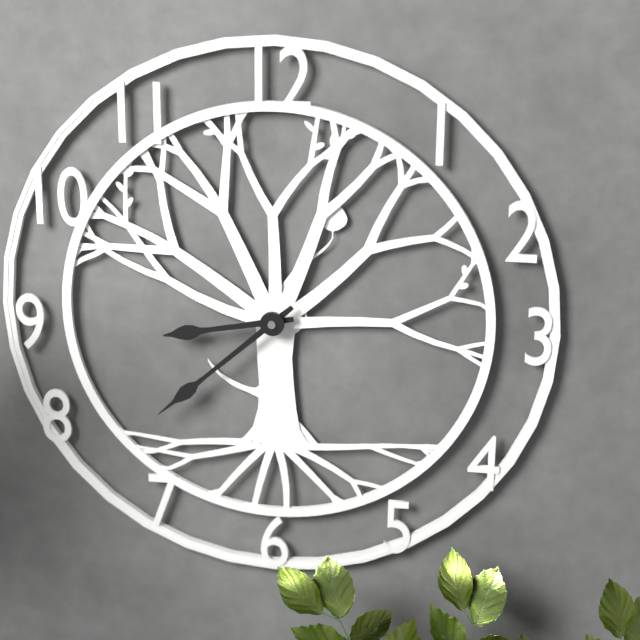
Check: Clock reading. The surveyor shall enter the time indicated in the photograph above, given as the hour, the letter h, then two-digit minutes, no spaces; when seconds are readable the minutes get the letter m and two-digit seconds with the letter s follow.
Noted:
8h38
